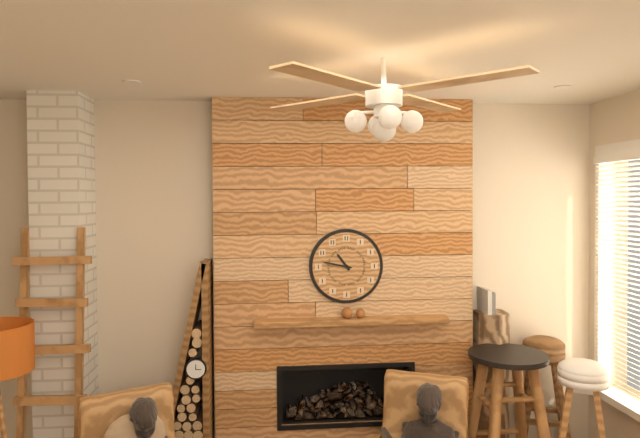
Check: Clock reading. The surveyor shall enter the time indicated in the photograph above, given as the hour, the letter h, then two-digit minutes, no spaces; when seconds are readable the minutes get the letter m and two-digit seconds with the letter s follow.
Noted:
10h47
